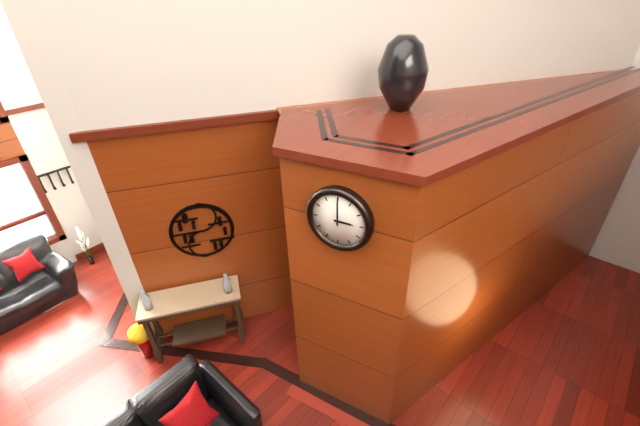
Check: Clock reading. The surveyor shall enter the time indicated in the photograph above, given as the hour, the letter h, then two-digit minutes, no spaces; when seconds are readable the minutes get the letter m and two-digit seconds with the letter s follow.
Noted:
3h00
